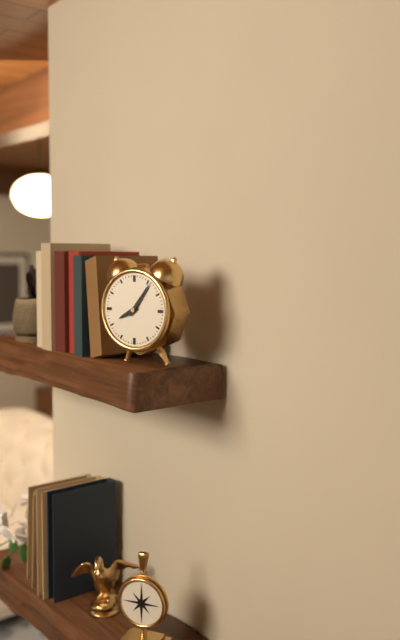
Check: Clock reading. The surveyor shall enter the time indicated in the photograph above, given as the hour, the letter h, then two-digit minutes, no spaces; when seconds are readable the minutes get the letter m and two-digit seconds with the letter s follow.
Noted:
8h06
